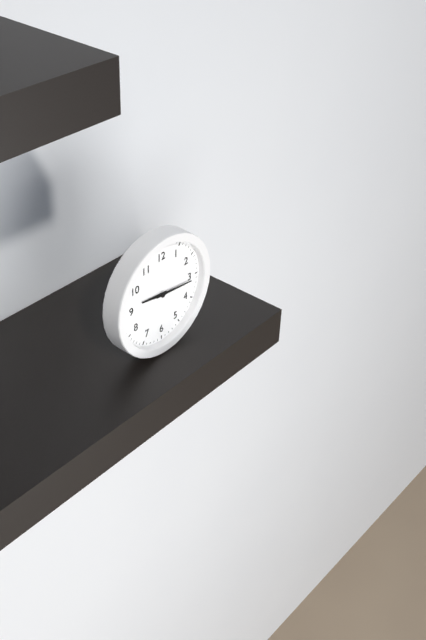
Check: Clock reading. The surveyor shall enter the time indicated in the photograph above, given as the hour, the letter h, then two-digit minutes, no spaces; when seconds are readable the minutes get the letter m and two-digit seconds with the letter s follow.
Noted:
9h16
